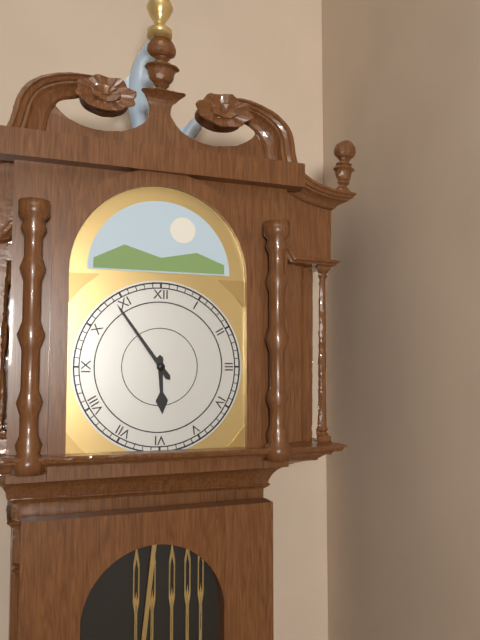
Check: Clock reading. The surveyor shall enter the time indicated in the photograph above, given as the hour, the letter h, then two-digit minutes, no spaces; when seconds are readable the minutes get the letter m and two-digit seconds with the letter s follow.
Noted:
5h54
